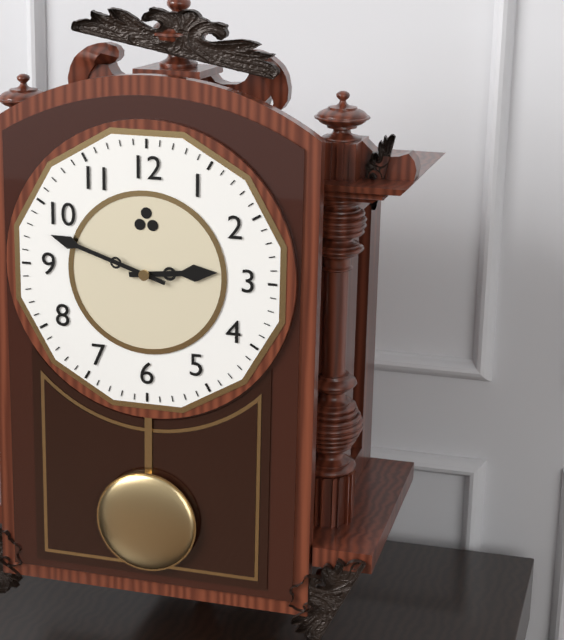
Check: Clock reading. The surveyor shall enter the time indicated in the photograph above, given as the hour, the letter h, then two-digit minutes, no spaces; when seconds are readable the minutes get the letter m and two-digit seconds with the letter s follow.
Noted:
2h48
